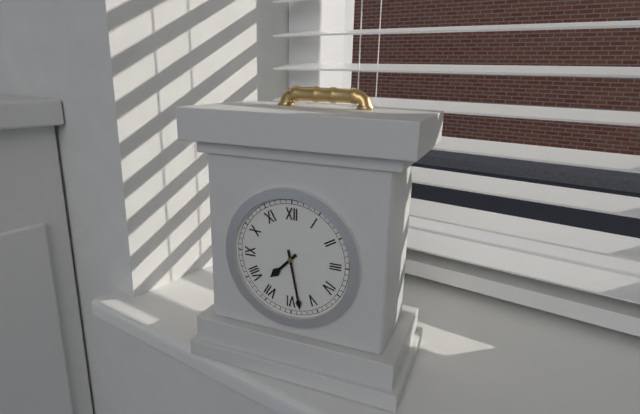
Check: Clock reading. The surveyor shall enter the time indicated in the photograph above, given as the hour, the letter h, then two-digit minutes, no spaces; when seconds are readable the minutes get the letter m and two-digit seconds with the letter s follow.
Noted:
7h28
